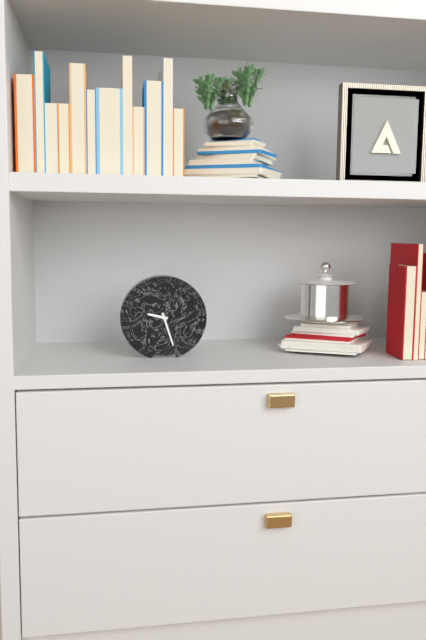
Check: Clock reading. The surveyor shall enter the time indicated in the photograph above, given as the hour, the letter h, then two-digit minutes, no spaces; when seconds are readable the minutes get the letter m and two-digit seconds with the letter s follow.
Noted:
9h27
